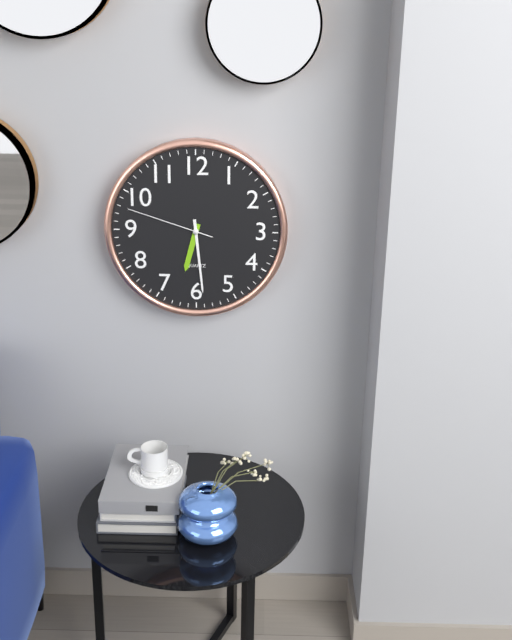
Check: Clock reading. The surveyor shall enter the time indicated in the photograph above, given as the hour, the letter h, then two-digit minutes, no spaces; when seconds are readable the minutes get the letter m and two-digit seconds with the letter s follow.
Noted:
6h29m48s
